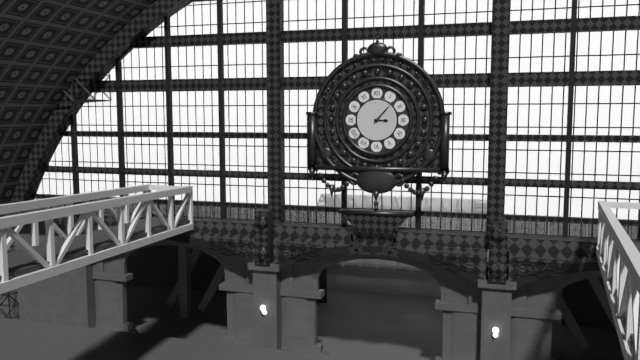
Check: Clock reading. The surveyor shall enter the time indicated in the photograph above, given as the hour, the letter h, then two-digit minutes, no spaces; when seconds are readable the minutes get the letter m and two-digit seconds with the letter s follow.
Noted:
3h07
